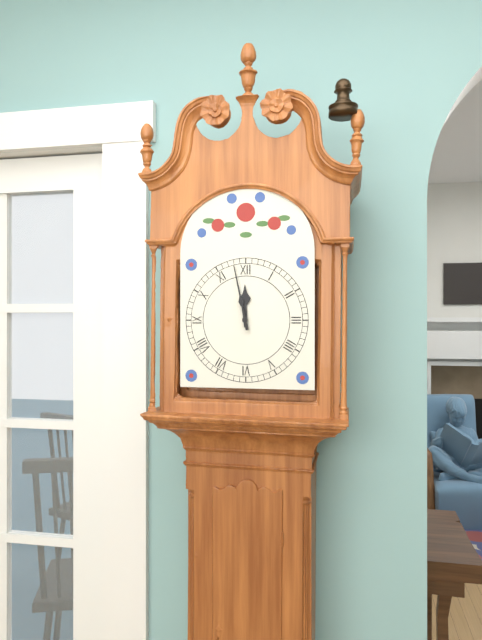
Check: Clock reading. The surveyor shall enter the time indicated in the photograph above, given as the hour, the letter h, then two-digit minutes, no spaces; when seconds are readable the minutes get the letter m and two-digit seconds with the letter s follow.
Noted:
11h58
